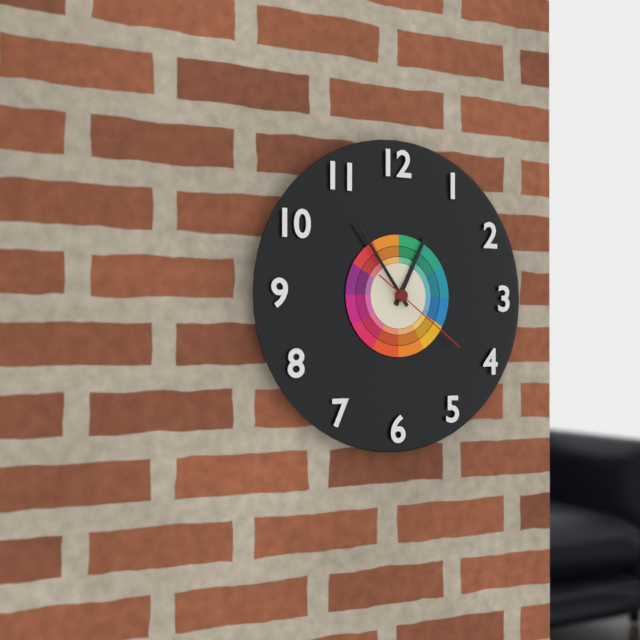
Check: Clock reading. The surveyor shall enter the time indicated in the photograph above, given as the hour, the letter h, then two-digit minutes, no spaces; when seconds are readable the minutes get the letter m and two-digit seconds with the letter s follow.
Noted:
12h54m21s
